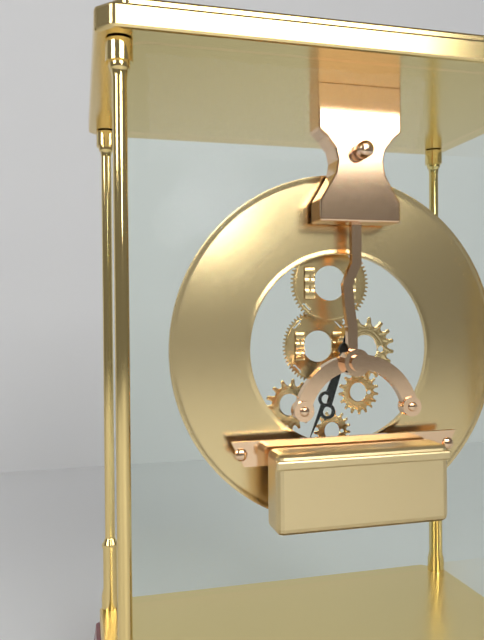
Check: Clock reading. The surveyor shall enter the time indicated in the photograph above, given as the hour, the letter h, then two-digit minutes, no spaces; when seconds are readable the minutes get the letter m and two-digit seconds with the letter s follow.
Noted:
6h34
